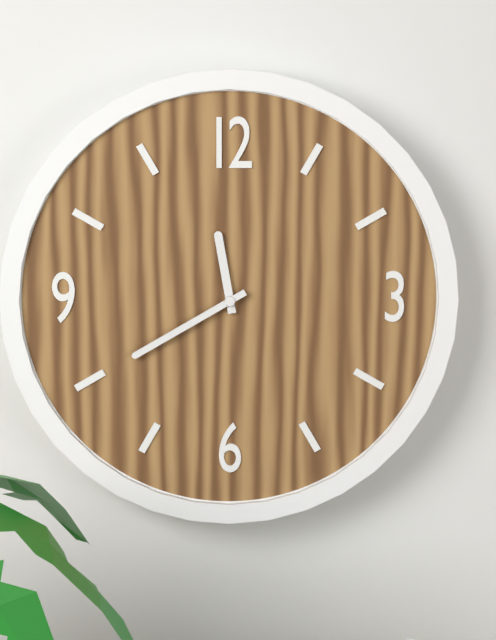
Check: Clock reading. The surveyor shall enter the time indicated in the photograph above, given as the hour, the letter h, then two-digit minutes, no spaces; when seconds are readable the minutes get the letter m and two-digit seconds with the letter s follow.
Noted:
11h40
